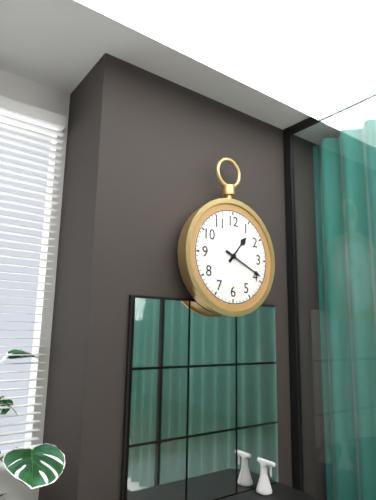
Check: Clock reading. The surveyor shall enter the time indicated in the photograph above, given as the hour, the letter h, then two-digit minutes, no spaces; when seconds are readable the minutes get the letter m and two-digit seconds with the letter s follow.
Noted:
1h19
